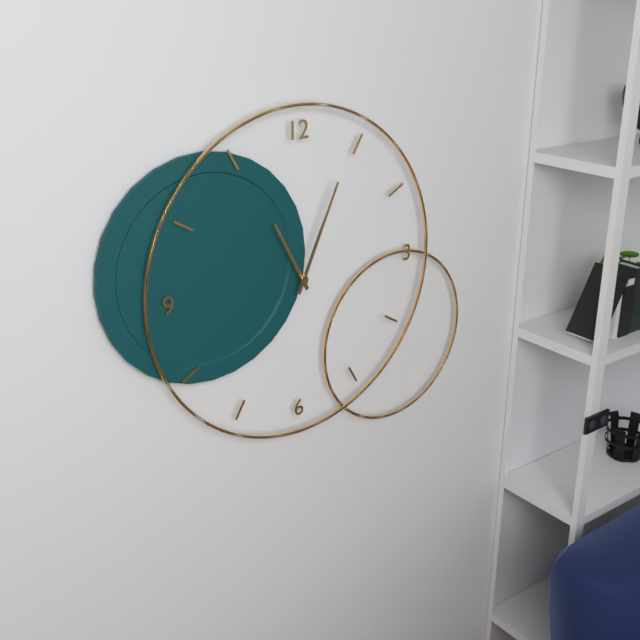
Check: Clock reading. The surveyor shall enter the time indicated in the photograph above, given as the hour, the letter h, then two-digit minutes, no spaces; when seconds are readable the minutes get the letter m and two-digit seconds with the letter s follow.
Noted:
11h04
